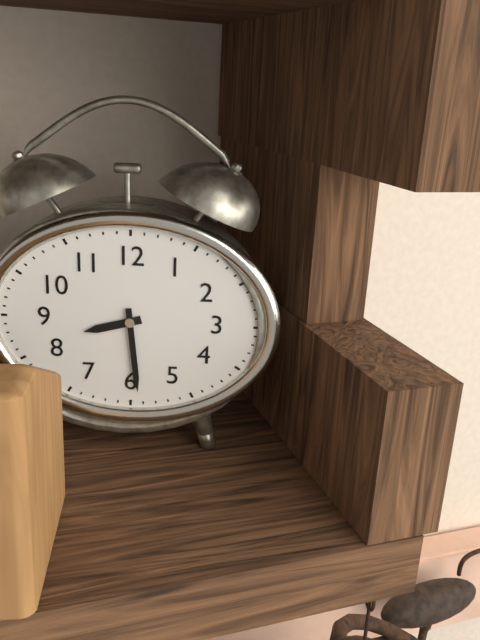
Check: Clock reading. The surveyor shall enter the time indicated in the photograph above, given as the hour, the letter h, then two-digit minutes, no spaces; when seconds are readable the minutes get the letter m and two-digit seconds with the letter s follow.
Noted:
8h29
